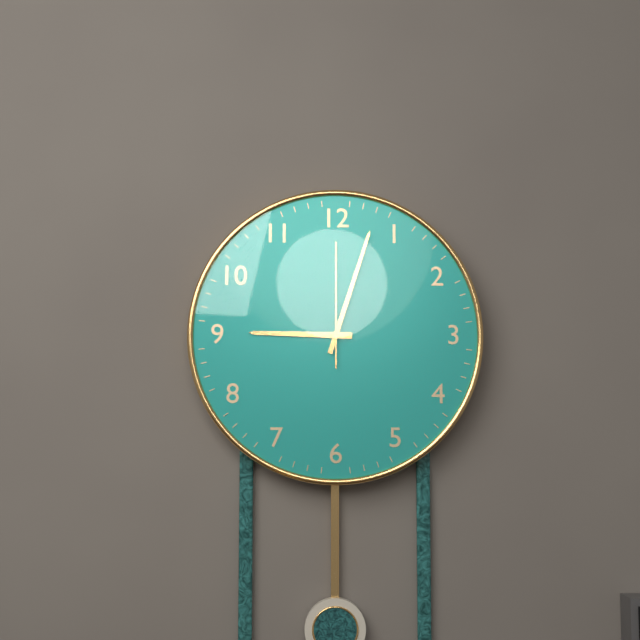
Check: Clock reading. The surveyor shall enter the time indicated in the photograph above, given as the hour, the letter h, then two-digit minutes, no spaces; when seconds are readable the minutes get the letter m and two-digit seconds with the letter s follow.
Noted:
9h03m00s
